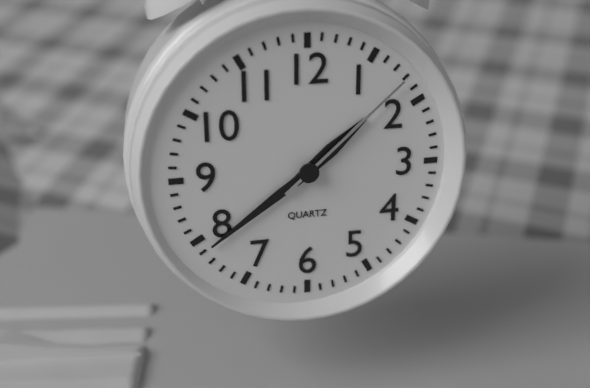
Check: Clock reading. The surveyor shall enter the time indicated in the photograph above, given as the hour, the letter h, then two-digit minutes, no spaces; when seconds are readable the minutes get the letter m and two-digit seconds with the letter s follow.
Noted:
1h39m08s
